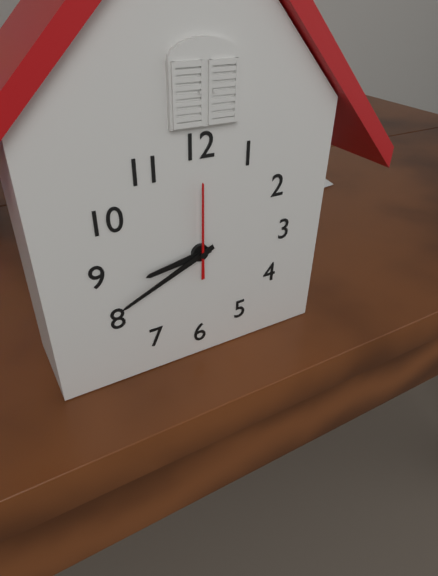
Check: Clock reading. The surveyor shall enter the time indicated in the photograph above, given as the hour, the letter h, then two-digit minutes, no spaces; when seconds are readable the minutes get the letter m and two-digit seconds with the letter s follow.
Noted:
8h41m00s
